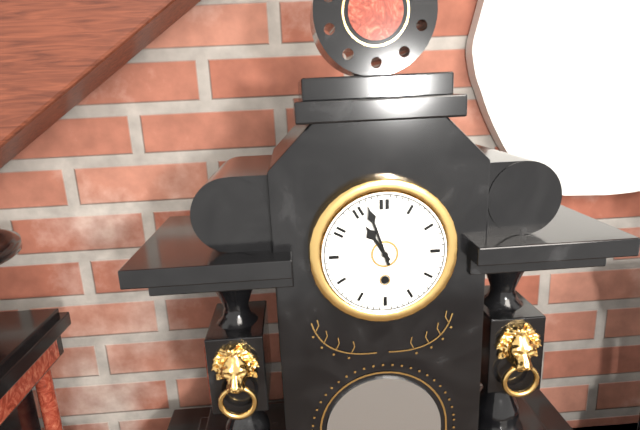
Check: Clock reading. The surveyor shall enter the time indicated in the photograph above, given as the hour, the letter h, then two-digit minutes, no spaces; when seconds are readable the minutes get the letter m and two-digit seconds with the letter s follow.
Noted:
10h57
